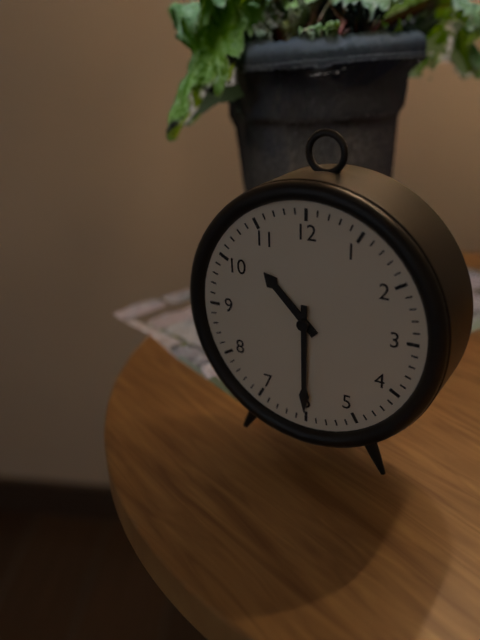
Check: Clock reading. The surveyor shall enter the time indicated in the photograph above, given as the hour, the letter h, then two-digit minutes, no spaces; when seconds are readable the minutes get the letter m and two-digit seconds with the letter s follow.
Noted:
10h30
